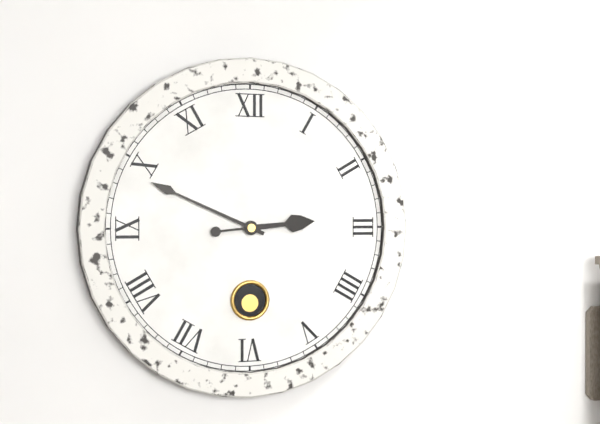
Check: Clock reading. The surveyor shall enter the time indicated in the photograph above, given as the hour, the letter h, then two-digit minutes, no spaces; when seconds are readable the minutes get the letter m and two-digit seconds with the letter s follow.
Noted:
2h49
